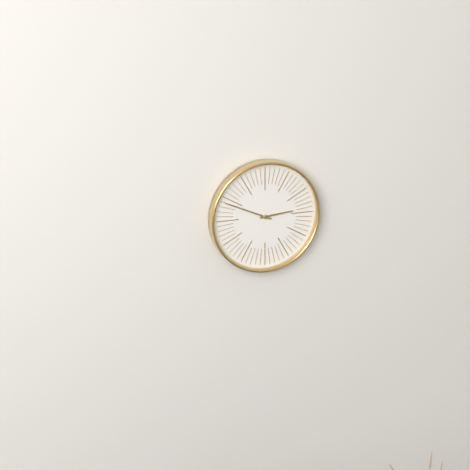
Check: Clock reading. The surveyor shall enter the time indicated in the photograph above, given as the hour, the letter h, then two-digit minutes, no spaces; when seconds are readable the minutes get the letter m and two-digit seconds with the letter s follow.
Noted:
2h49
